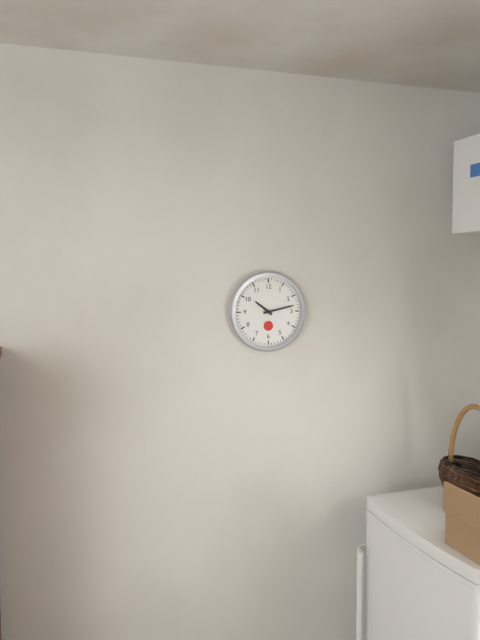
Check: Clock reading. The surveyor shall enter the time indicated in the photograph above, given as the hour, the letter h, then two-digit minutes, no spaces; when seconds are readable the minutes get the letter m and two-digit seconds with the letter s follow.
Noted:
10h13
